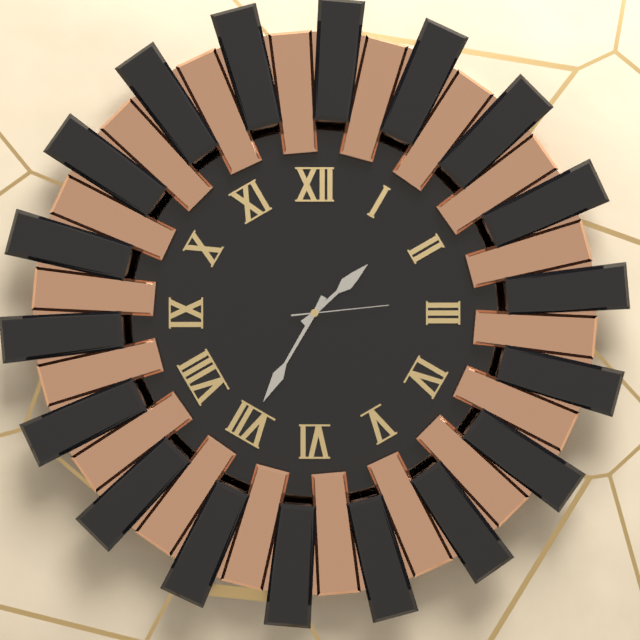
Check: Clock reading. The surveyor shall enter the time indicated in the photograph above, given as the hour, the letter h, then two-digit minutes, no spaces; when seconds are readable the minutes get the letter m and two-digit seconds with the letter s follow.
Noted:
1h35m14s
